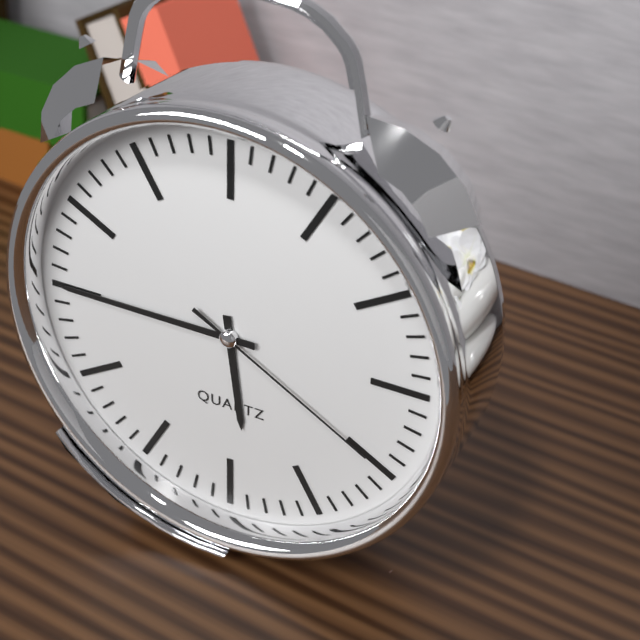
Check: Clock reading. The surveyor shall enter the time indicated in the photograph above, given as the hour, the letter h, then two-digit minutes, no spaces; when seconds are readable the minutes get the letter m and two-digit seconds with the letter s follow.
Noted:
5h45m20s
